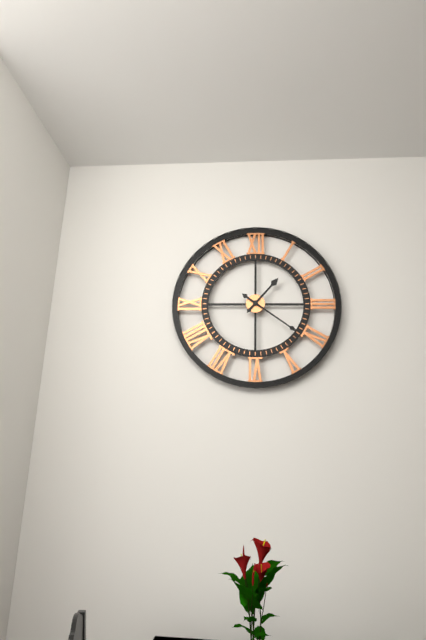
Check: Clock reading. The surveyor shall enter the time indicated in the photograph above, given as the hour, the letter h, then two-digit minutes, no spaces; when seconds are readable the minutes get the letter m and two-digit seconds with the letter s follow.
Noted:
1h21
